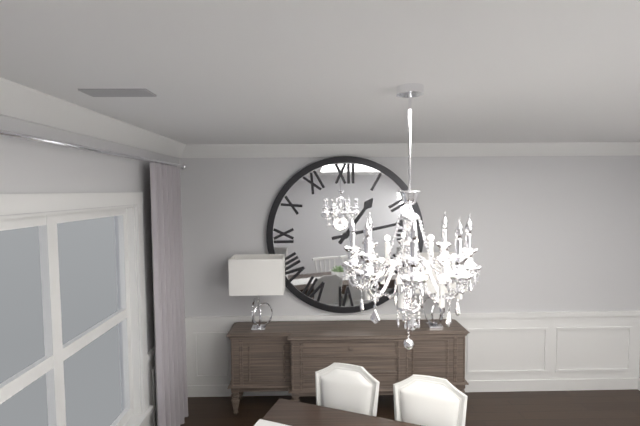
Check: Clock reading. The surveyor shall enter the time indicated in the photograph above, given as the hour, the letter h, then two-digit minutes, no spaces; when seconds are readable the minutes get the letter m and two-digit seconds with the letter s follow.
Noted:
1h13
